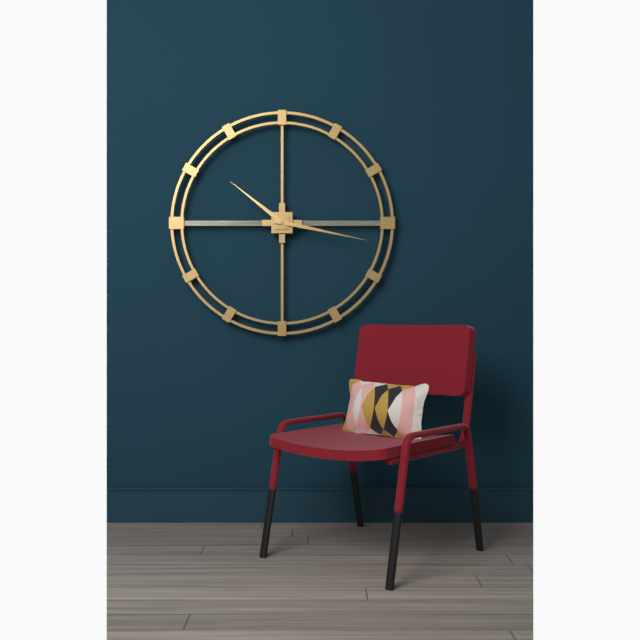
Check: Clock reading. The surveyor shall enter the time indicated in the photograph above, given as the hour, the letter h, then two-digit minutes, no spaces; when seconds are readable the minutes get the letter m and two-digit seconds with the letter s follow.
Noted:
10h17
